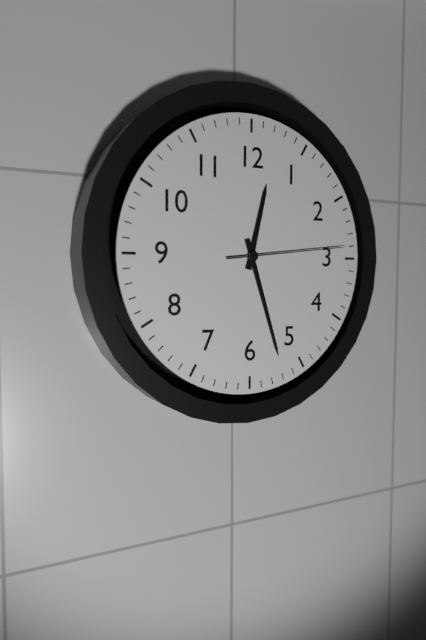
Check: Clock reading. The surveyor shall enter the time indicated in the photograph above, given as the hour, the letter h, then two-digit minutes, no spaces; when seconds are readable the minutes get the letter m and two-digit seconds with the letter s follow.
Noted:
12h27m14s
